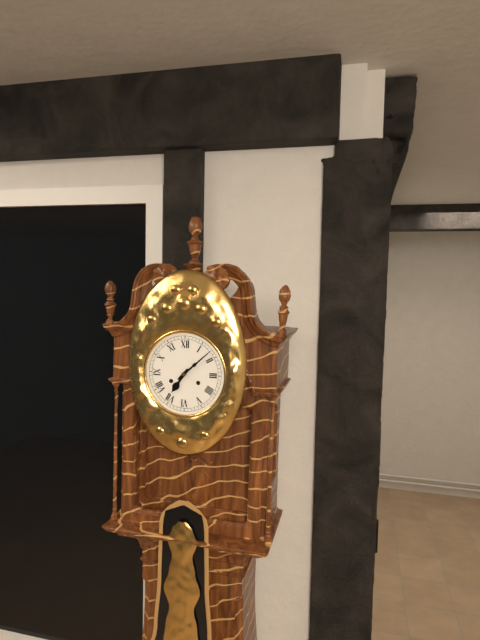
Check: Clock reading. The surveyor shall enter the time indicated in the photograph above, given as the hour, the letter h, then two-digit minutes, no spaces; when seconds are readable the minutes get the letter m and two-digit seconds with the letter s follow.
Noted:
7h08
